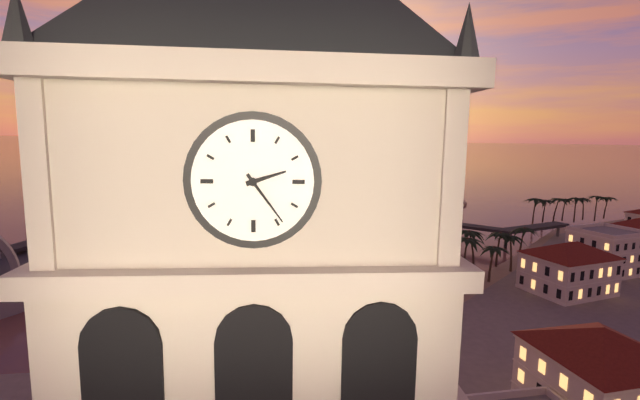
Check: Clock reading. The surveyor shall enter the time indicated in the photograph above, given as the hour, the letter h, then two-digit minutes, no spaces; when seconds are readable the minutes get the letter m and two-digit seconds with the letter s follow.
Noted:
2h24
